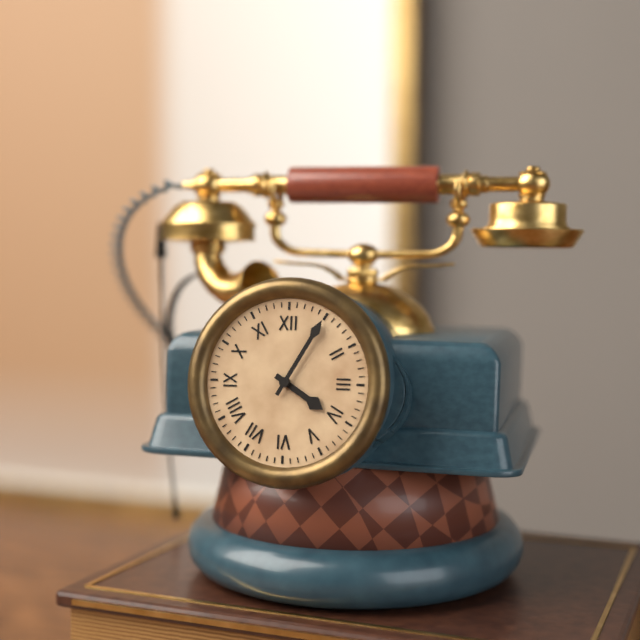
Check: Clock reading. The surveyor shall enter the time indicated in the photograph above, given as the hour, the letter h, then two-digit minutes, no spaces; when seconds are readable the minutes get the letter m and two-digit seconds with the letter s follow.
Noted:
4h05
